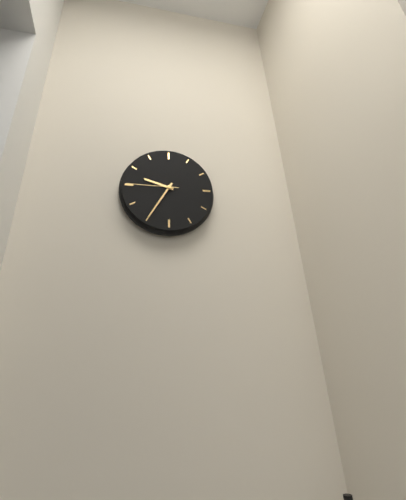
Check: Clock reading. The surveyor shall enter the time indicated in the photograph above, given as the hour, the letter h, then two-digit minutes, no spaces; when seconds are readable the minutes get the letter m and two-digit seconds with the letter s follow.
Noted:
9h35m45s
